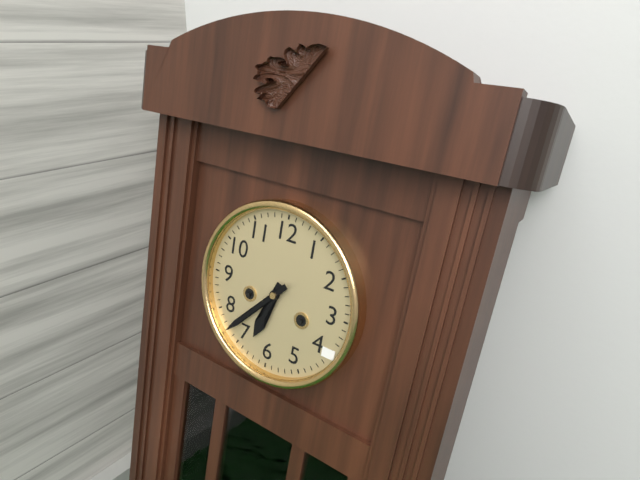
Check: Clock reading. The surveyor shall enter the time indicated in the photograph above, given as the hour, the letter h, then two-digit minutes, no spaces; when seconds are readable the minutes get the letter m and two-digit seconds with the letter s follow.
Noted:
6h37
